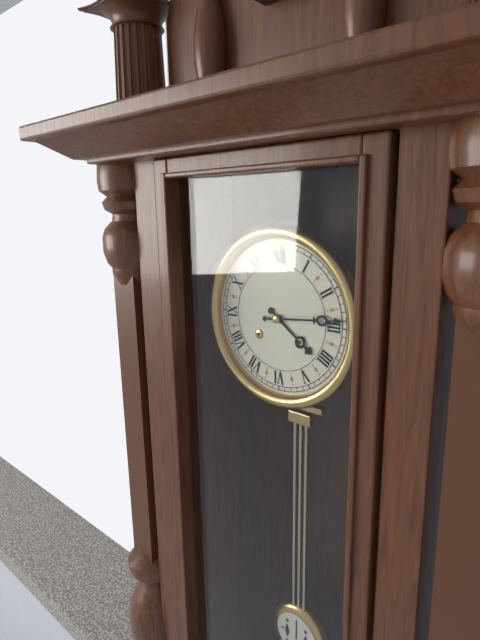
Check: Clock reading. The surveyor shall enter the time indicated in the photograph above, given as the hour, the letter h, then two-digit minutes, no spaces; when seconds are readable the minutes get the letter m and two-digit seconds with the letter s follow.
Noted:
4h14
